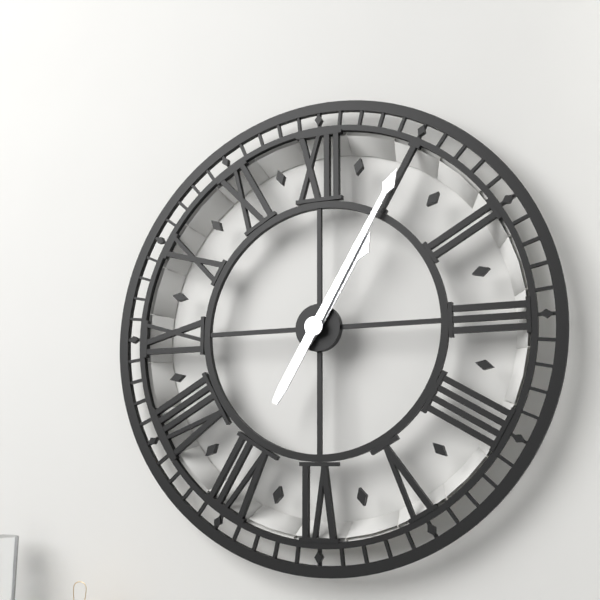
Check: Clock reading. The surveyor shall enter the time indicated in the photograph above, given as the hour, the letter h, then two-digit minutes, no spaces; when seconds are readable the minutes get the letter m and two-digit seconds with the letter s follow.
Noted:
1h05
